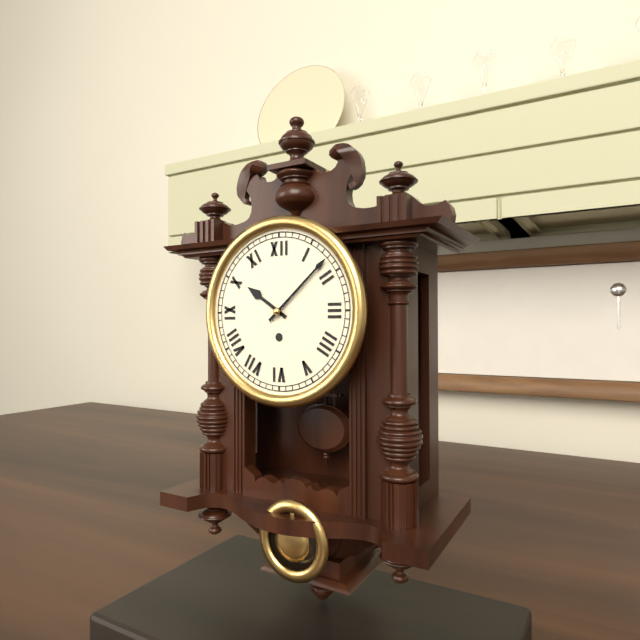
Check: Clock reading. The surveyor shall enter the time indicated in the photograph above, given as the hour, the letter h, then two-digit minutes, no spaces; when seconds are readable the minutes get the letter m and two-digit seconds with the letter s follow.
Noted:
10h08
